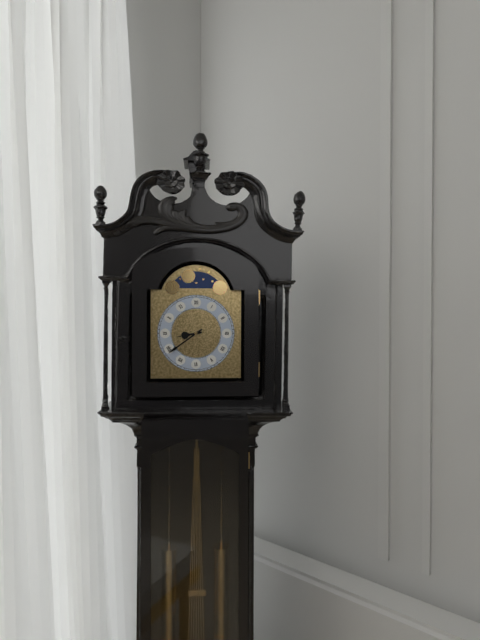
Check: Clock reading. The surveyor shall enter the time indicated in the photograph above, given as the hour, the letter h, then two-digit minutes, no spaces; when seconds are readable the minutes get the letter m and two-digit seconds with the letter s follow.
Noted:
8h39
